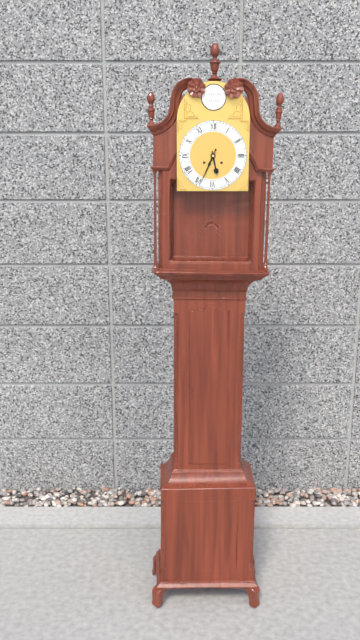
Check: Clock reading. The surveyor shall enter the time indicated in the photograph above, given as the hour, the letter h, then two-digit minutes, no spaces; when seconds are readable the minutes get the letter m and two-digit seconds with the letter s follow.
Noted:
5h34
